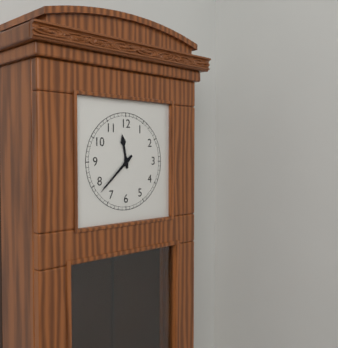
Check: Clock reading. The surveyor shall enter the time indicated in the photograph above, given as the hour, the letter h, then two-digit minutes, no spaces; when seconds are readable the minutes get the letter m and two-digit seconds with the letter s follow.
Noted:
11h38
